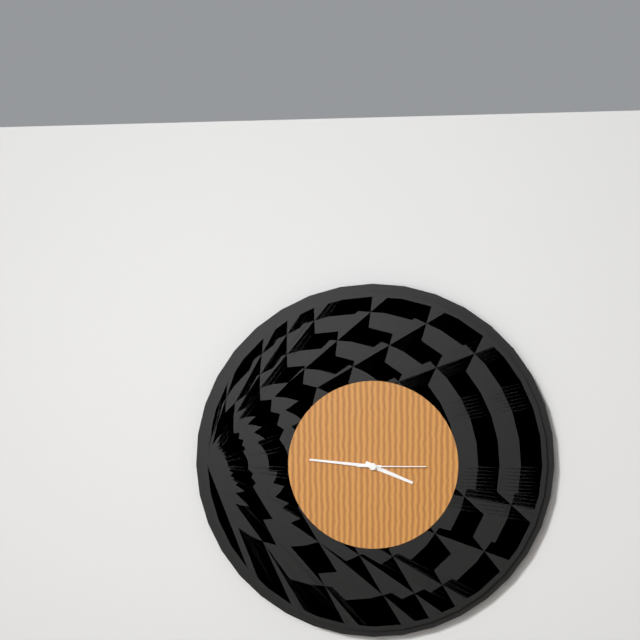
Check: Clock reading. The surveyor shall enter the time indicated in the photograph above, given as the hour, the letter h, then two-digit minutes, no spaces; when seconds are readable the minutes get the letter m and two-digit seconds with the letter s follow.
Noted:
3h46m15s
